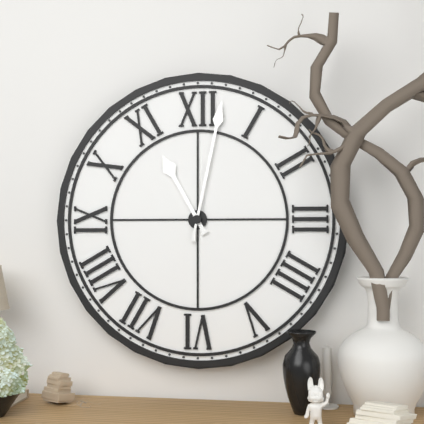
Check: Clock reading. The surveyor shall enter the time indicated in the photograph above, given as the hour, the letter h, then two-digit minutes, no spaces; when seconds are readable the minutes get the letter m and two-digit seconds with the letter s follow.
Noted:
11h02
